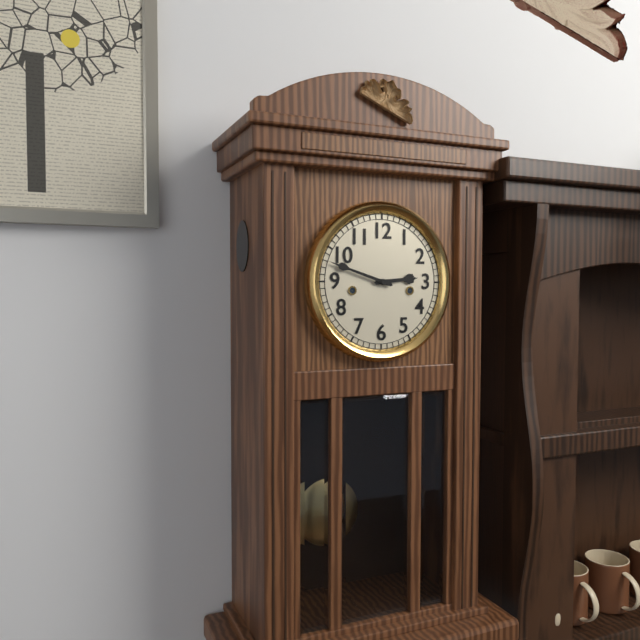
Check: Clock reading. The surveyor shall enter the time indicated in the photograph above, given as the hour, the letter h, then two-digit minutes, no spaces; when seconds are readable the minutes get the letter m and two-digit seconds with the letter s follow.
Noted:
2h48
